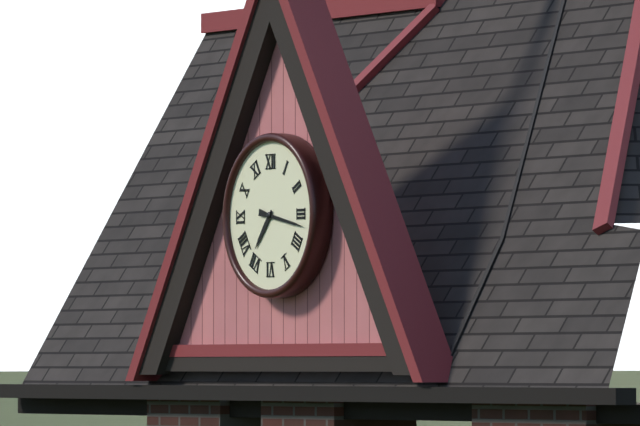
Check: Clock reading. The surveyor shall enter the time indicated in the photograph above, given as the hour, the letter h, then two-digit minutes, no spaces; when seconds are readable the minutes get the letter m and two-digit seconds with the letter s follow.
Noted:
7h17
